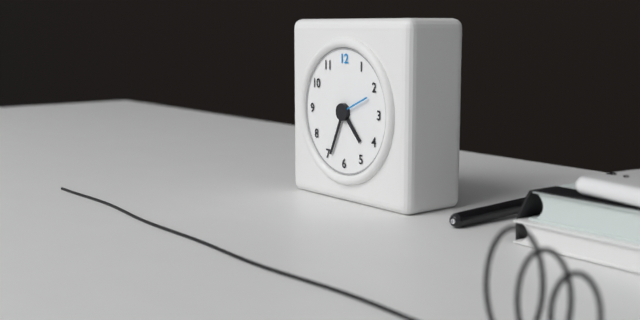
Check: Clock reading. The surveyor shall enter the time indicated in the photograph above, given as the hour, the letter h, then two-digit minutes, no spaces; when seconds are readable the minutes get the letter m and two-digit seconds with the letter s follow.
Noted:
4h34
